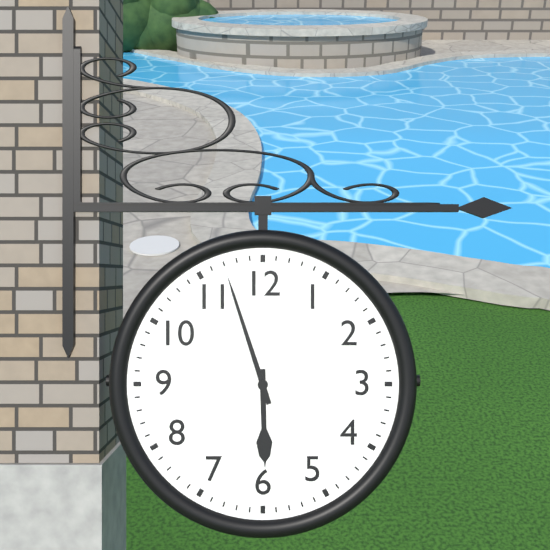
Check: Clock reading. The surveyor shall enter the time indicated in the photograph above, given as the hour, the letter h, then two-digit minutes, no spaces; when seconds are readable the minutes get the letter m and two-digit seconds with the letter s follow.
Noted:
5h57
